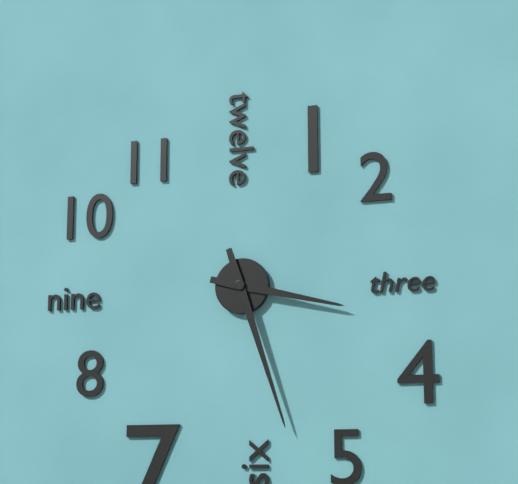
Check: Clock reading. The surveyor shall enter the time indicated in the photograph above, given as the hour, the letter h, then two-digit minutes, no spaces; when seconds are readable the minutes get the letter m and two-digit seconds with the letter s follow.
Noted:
3h27
